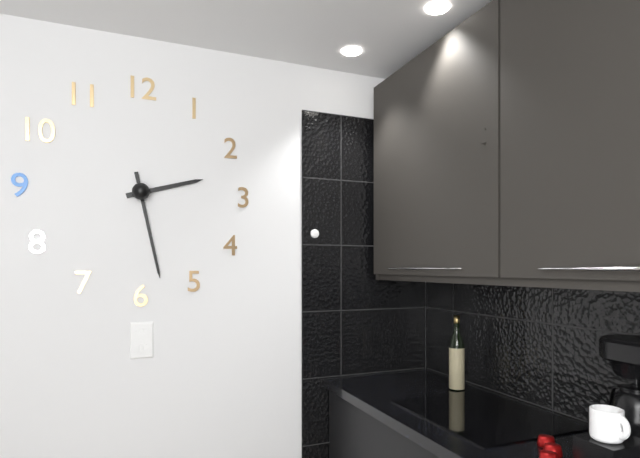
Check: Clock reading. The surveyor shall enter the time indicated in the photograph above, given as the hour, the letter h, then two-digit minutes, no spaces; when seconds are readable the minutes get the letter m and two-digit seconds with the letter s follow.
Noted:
2h28
